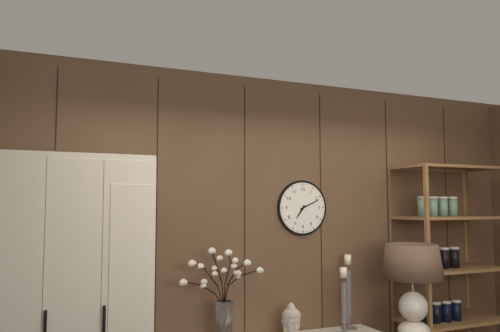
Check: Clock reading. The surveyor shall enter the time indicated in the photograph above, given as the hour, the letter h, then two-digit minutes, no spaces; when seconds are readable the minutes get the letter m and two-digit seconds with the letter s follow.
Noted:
7h11
